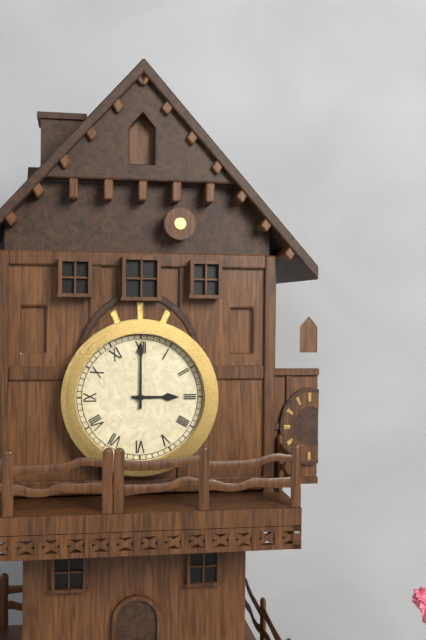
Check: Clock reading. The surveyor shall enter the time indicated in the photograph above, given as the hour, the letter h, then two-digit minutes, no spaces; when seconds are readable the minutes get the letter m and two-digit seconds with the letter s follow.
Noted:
3h00
